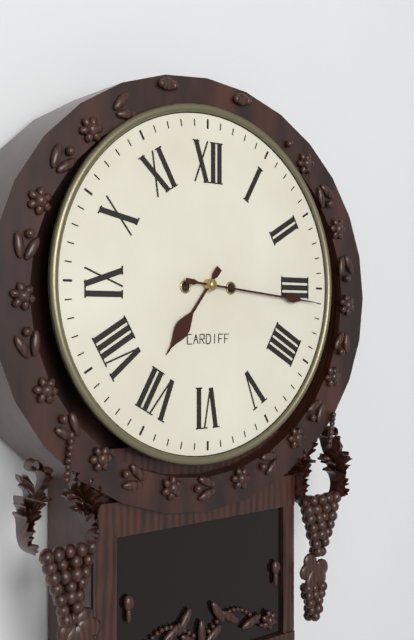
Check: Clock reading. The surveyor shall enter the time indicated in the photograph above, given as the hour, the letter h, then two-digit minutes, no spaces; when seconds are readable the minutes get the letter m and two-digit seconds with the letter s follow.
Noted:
7h16
